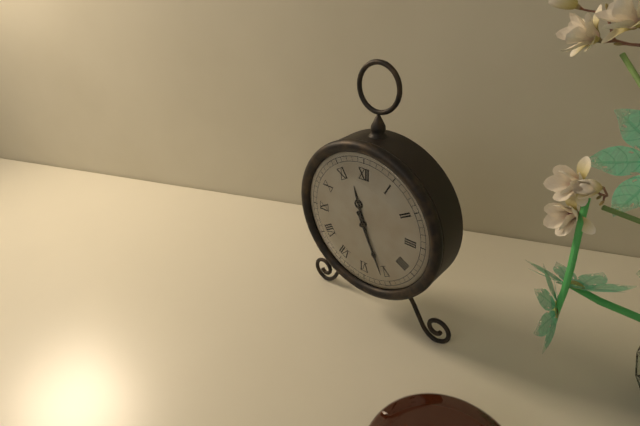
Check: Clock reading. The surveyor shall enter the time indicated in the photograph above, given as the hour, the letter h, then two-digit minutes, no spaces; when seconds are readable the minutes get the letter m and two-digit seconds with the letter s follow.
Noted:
11h26
